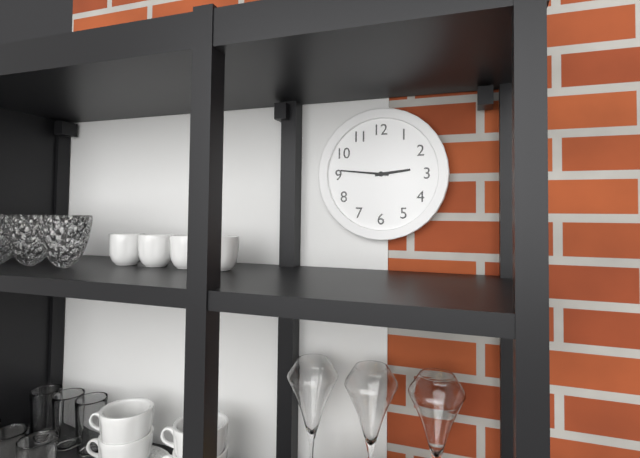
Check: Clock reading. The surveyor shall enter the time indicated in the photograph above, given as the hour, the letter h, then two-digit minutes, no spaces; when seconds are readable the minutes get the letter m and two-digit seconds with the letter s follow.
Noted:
2h46
